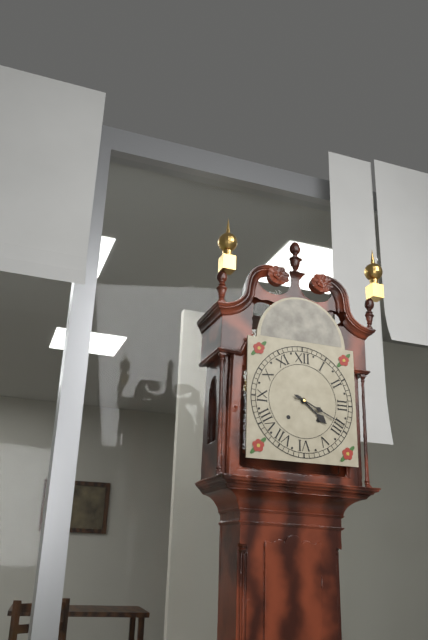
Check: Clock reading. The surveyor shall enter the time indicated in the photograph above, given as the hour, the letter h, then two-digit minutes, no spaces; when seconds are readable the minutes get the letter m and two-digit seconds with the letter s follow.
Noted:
4h19
